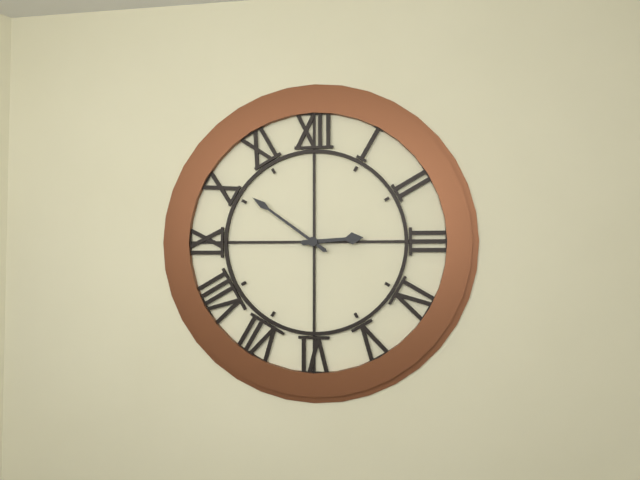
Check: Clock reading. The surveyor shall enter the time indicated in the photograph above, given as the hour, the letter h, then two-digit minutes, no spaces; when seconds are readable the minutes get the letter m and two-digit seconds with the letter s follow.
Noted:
2h51
